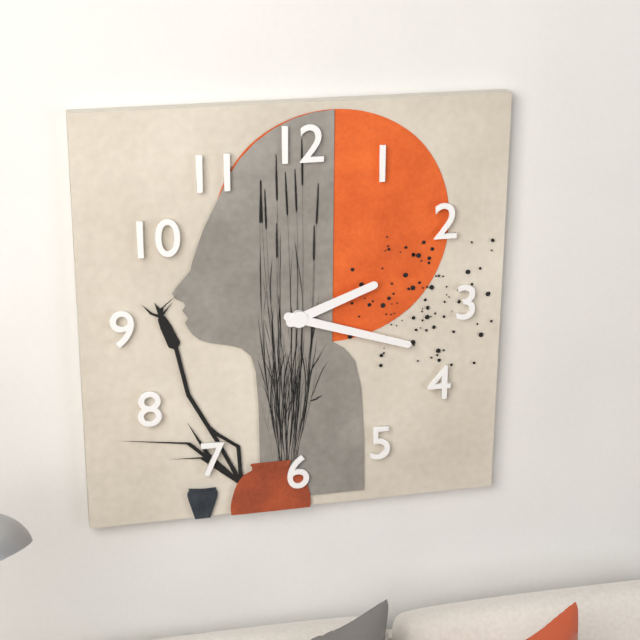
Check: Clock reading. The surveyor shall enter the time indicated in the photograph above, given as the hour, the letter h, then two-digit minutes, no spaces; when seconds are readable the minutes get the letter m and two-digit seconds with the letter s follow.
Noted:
2h18
